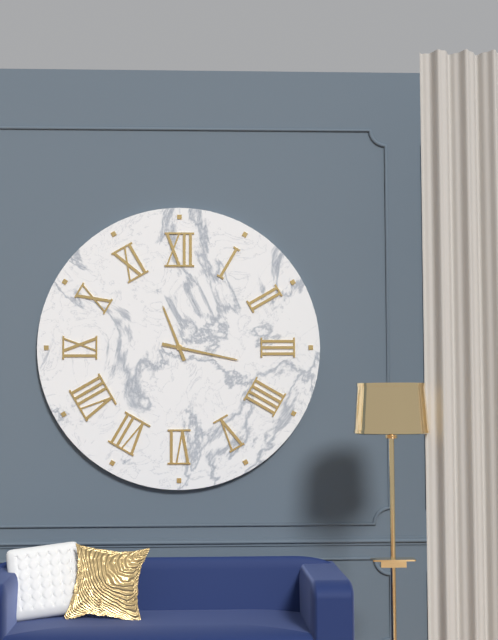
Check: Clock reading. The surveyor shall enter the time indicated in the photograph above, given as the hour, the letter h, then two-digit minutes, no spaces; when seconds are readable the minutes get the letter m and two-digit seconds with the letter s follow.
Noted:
11h17
